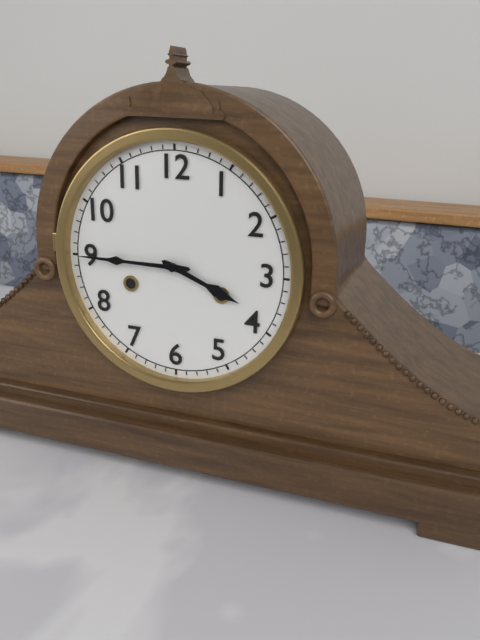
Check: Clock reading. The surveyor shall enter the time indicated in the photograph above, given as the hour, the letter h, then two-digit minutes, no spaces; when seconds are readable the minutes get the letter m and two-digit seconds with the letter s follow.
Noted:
3h45
